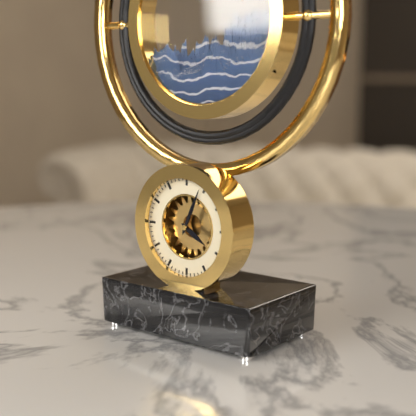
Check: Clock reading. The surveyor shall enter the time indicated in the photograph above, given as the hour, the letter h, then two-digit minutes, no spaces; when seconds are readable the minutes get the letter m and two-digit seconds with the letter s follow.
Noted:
4h04
